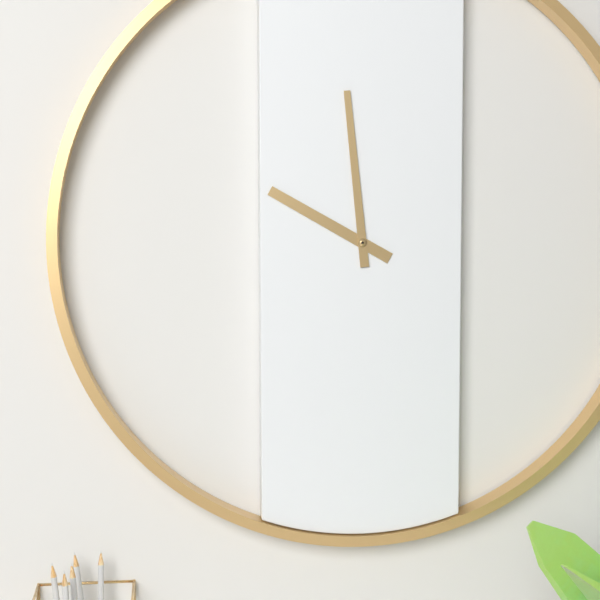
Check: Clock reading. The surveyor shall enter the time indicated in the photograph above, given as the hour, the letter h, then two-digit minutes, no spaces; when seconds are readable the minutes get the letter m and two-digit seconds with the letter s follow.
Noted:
9h59
